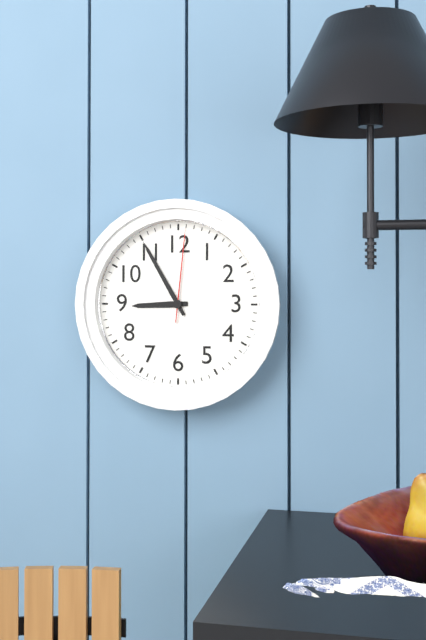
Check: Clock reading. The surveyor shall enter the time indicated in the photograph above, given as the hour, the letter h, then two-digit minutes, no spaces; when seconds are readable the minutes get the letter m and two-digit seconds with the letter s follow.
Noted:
8h55m01s
